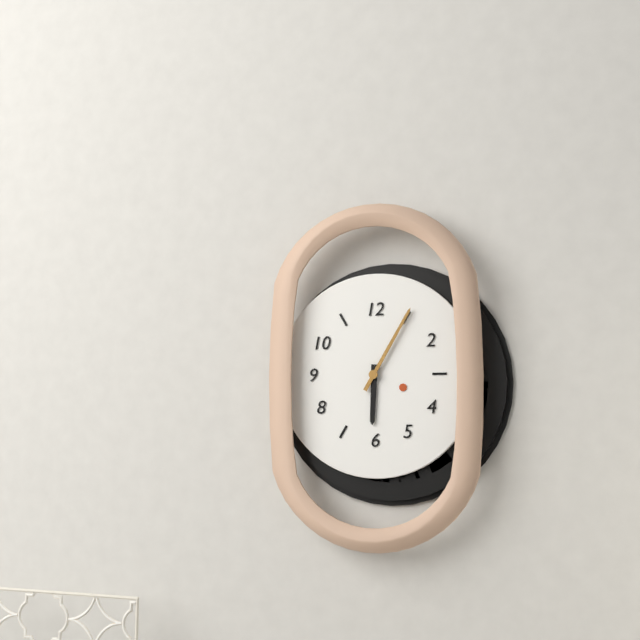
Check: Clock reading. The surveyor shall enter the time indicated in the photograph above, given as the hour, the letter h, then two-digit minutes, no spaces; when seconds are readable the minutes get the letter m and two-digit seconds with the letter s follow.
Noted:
6h05
